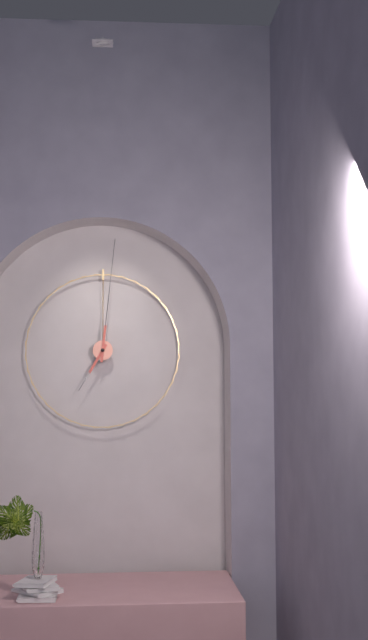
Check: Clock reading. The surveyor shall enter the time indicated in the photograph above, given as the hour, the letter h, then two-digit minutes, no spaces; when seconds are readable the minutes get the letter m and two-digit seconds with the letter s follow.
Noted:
7h01
